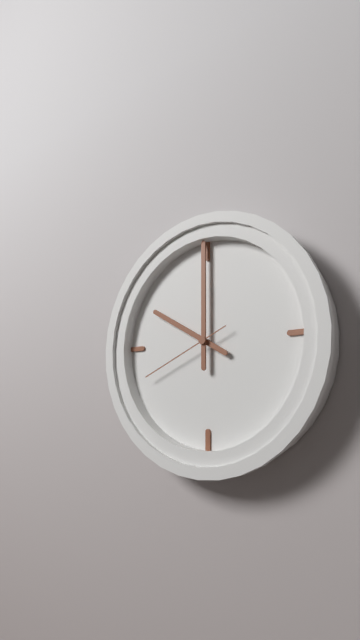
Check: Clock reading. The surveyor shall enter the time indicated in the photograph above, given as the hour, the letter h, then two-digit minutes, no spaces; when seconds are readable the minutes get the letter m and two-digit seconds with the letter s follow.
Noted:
10h00m41s
